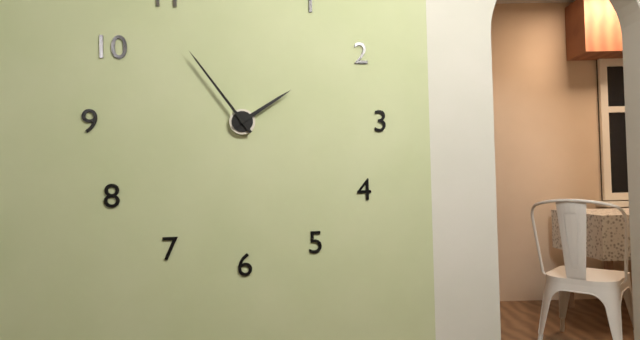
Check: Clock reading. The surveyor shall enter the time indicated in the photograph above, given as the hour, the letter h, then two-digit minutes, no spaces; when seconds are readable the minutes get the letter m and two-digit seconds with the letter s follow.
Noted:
1h54
